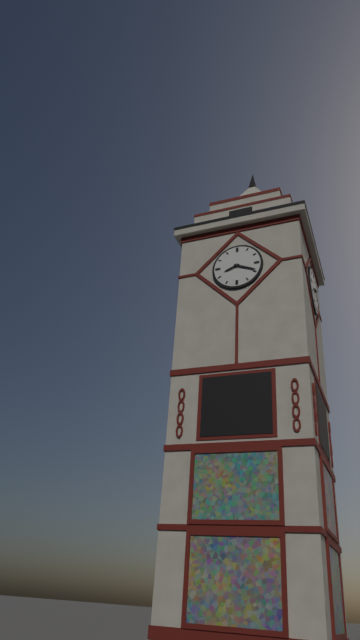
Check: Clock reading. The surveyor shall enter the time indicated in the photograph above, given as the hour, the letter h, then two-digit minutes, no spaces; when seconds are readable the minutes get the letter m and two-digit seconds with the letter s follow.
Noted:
8h19
